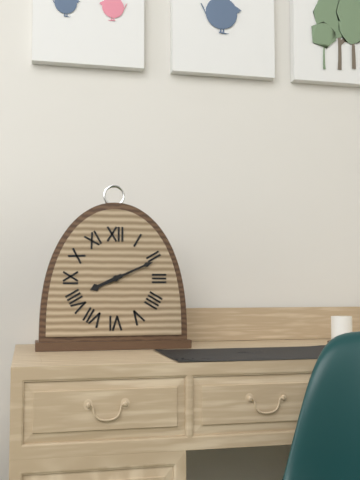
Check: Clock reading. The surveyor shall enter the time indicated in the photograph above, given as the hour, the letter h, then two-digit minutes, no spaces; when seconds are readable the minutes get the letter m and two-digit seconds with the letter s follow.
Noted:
8h11
